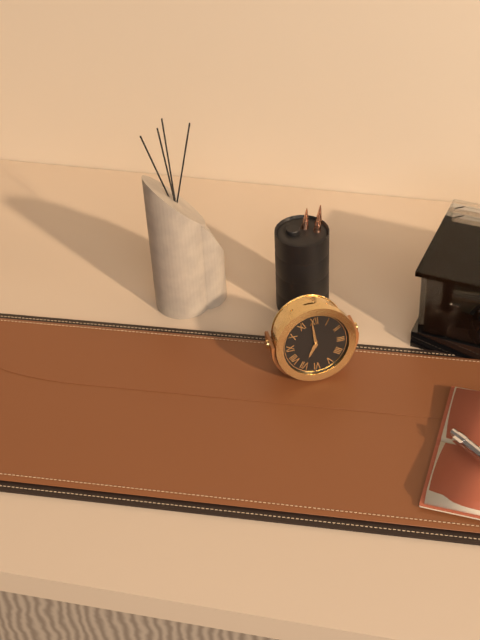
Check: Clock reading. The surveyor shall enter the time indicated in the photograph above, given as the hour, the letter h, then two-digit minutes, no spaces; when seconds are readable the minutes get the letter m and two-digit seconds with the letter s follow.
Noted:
6h59
